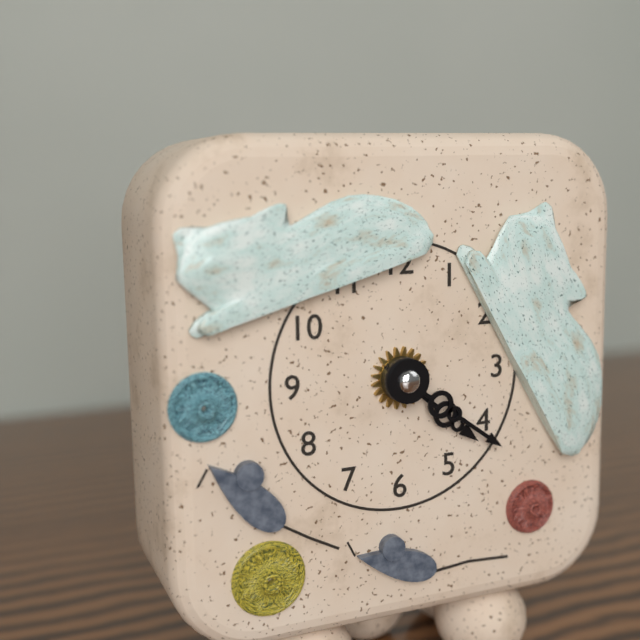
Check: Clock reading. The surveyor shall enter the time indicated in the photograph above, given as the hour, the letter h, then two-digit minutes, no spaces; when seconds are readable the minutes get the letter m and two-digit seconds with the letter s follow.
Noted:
4h21
